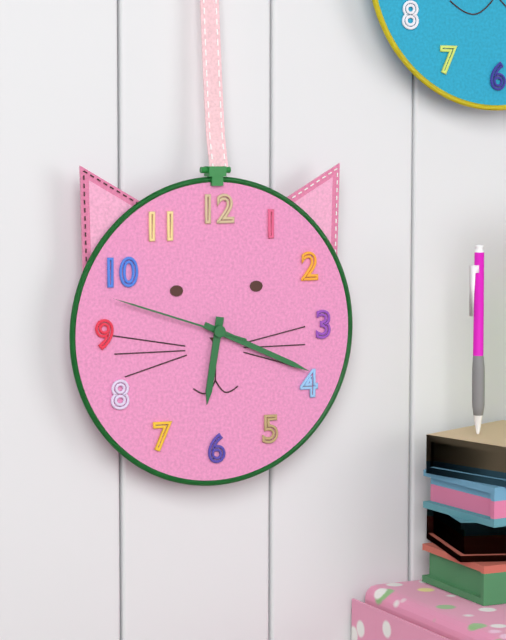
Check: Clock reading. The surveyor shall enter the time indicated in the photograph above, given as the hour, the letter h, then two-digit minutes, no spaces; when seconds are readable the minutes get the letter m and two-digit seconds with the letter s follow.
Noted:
6h19m48s
